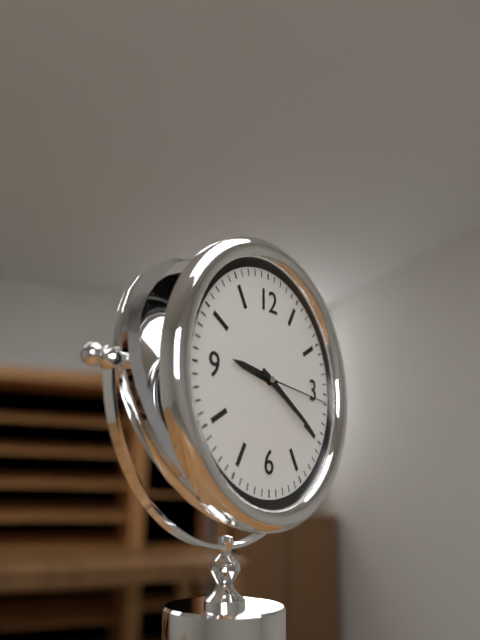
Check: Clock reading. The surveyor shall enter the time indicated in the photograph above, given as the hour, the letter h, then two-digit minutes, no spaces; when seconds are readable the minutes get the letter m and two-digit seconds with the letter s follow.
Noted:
9h20m16s
